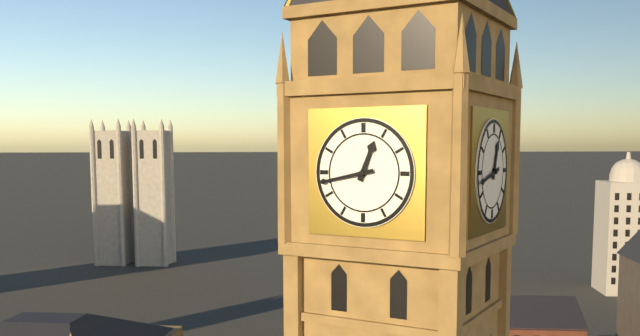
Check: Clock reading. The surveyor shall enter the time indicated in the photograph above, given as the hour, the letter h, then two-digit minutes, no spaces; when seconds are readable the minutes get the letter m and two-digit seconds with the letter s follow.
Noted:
12h43
